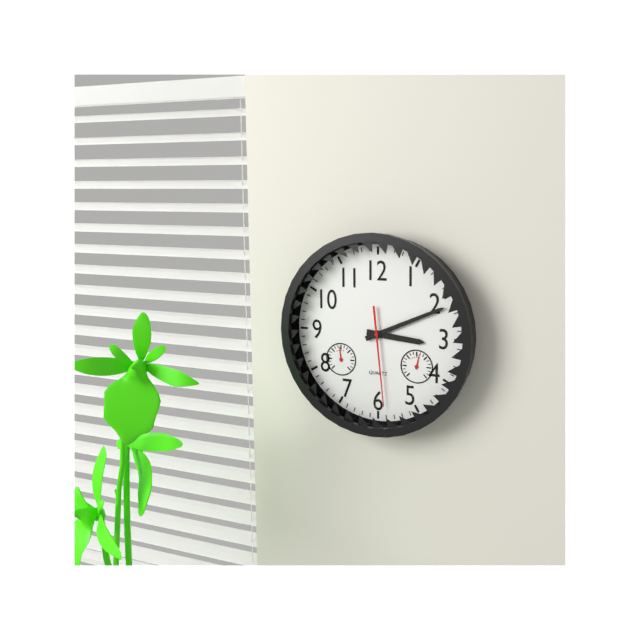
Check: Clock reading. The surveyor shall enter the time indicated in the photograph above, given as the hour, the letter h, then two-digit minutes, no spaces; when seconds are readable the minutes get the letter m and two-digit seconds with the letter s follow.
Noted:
3h11m29s
